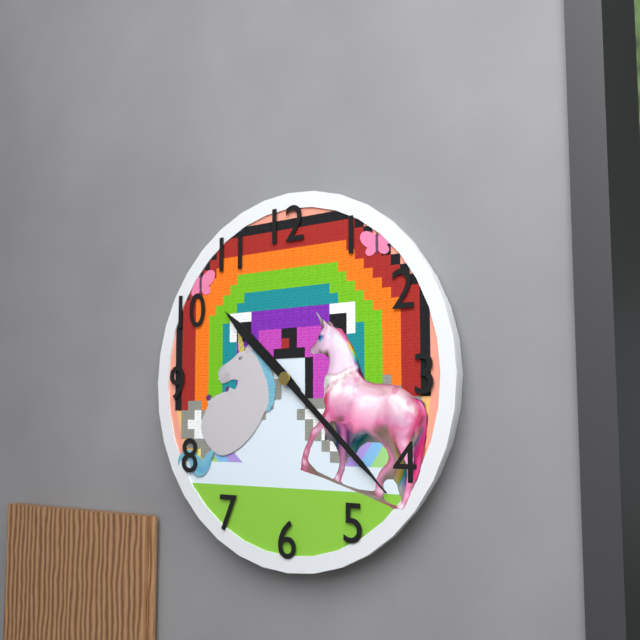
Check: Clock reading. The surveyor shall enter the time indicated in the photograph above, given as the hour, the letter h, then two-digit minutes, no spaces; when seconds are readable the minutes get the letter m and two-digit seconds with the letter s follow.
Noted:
10h22m22s
